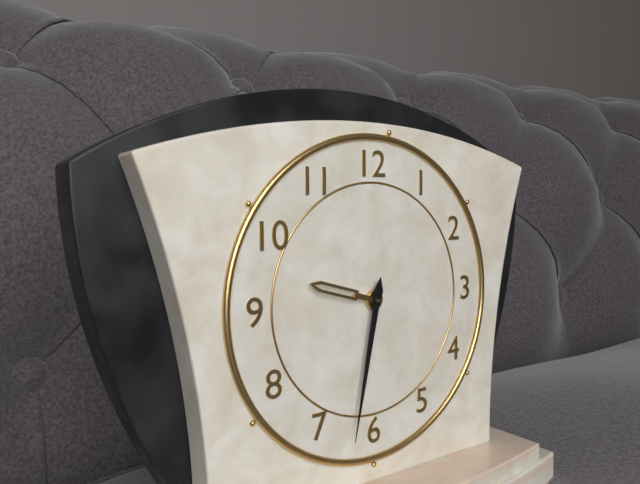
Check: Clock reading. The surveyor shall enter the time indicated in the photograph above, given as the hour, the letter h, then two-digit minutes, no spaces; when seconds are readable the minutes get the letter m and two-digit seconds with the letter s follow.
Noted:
9h32
